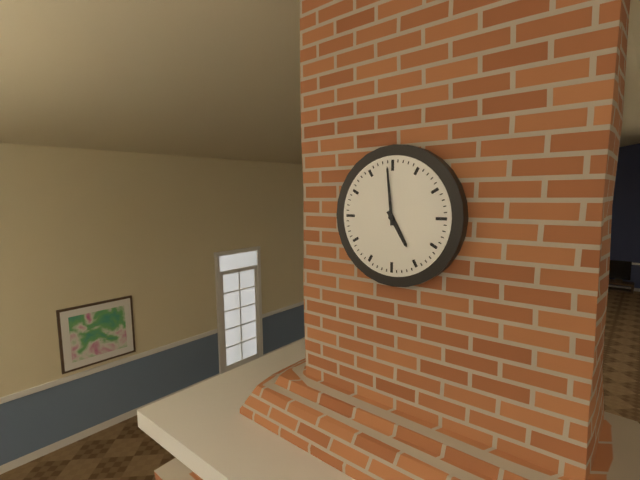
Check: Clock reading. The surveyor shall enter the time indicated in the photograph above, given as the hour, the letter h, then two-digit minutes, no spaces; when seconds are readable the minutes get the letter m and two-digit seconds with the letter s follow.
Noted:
4h59
